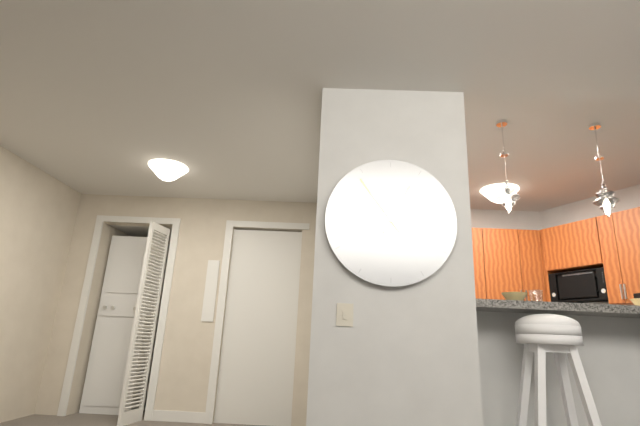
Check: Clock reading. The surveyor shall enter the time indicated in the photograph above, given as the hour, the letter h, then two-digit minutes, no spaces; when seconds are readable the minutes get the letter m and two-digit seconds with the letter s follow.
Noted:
12h54
